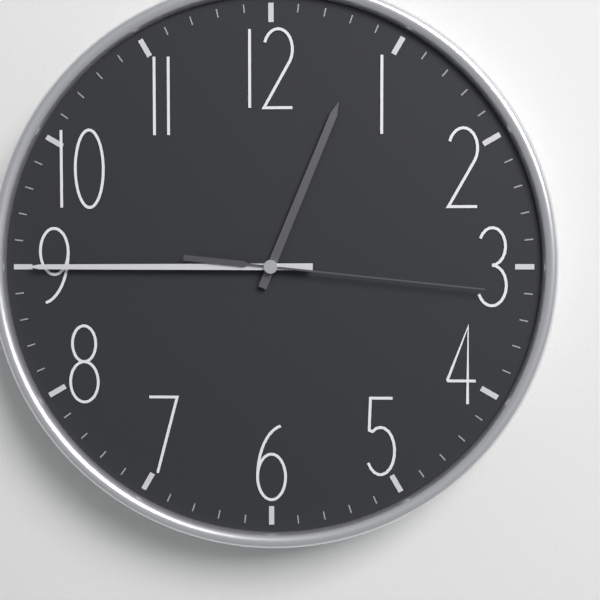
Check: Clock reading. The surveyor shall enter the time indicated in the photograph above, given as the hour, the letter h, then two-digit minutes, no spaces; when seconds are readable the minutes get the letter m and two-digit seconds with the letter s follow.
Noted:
12h45m16s
